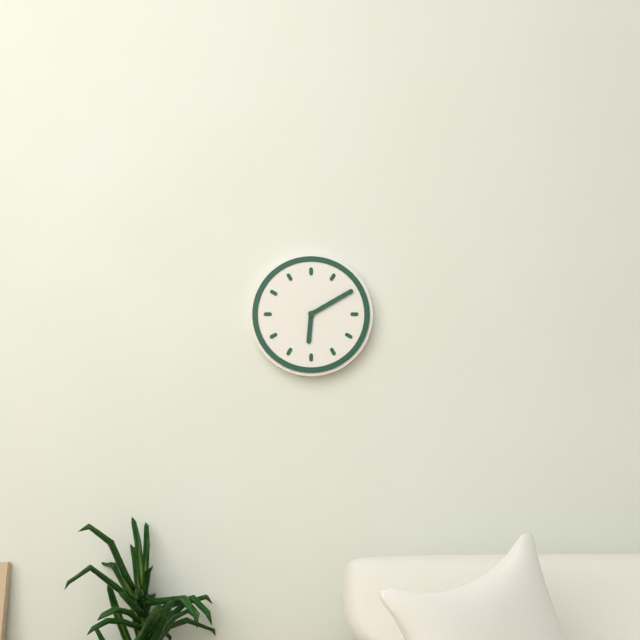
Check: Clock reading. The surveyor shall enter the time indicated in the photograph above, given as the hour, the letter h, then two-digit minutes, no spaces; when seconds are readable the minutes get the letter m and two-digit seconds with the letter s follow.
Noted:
6h10
